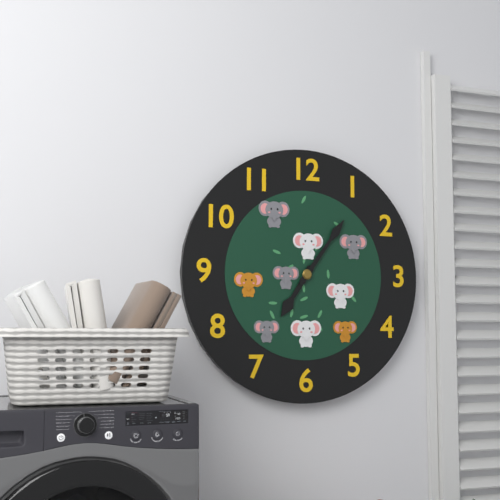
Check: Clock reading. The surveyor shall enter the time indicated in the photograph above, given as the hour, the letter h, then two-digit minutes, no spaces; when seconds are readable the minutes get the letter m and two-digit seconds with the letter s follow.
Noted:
7h06
